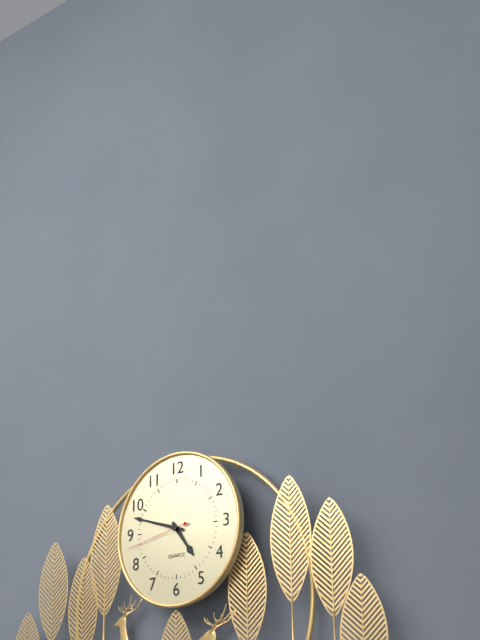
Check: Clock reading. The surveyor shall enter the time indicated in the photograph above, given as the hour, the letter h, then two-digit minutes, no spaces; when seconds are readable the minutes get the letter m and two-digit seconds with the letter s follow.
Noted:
4h48m43s
